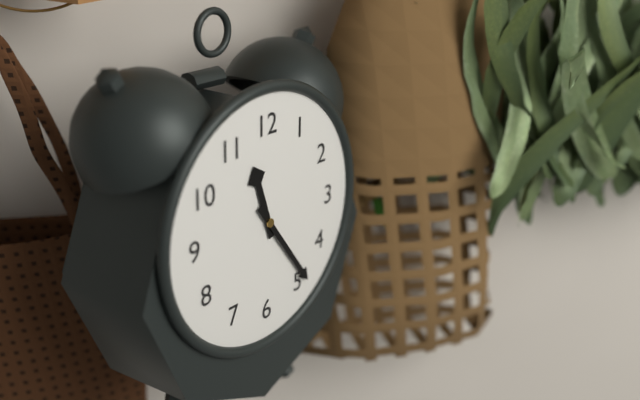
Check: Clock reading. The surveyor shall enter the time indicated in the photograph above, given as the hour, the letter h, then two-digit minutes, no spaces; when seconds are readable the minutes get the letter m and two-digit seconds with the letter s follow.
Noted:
11h24
